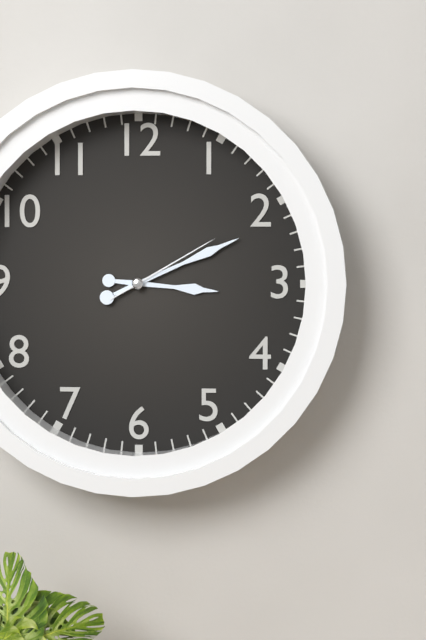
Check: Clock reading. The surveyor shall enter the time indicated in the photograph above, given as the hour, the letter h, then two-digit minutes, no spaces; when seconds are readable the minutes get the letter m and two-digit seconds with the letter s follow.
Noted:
3h11m10s
